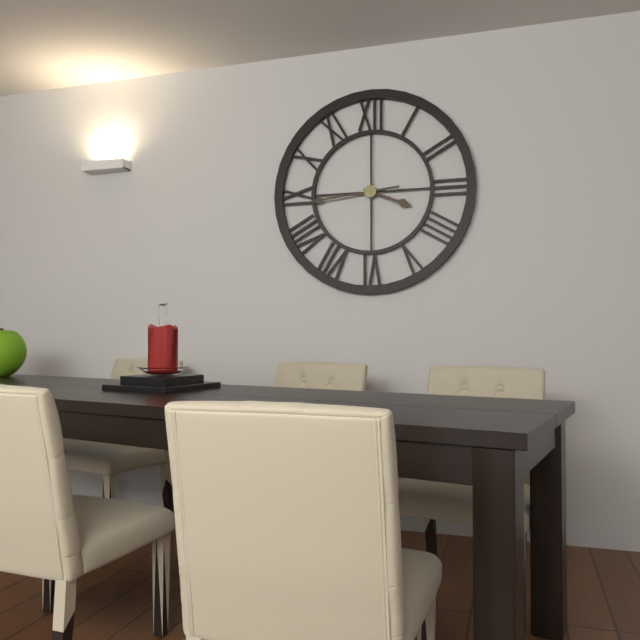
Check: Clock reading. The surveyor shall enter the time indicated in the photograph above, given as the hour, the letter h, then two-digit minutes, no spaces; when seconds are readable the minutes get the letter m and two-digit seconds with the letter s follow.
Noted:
3h44
